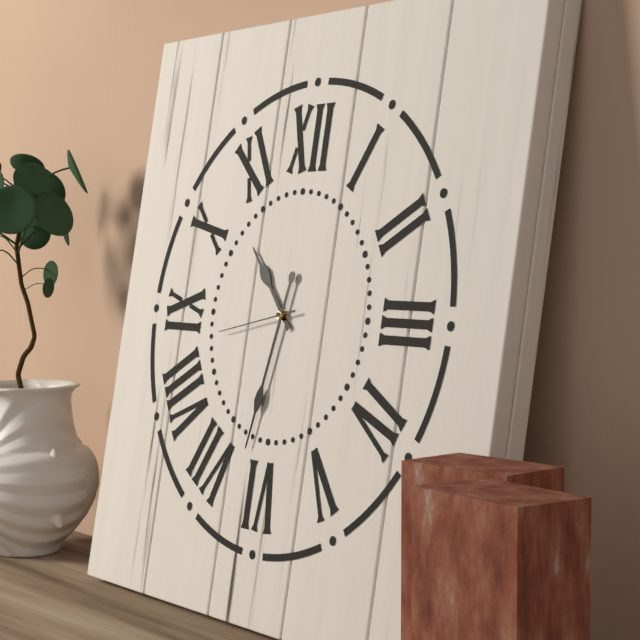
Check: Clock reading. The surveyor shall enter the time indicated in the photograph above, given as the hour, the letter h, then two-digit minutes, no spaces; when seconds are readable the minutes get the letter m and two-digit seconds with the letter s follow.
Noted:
10h32m43s
